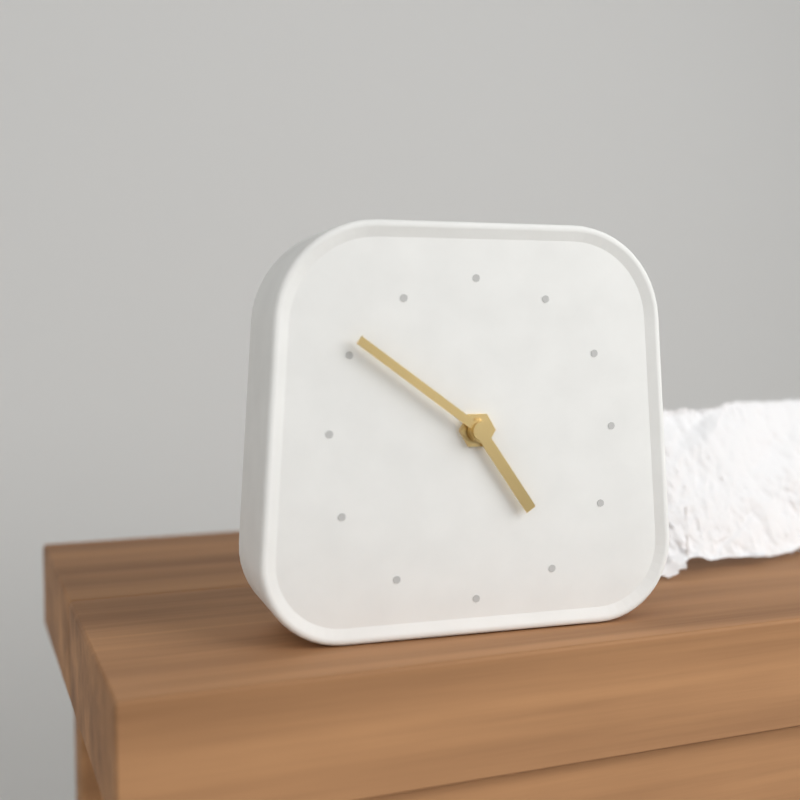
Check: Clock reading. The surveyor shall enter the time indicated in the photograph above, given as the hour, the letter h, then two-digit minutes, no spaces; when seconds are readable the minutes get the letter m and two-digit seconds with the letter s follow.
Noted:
4h51
